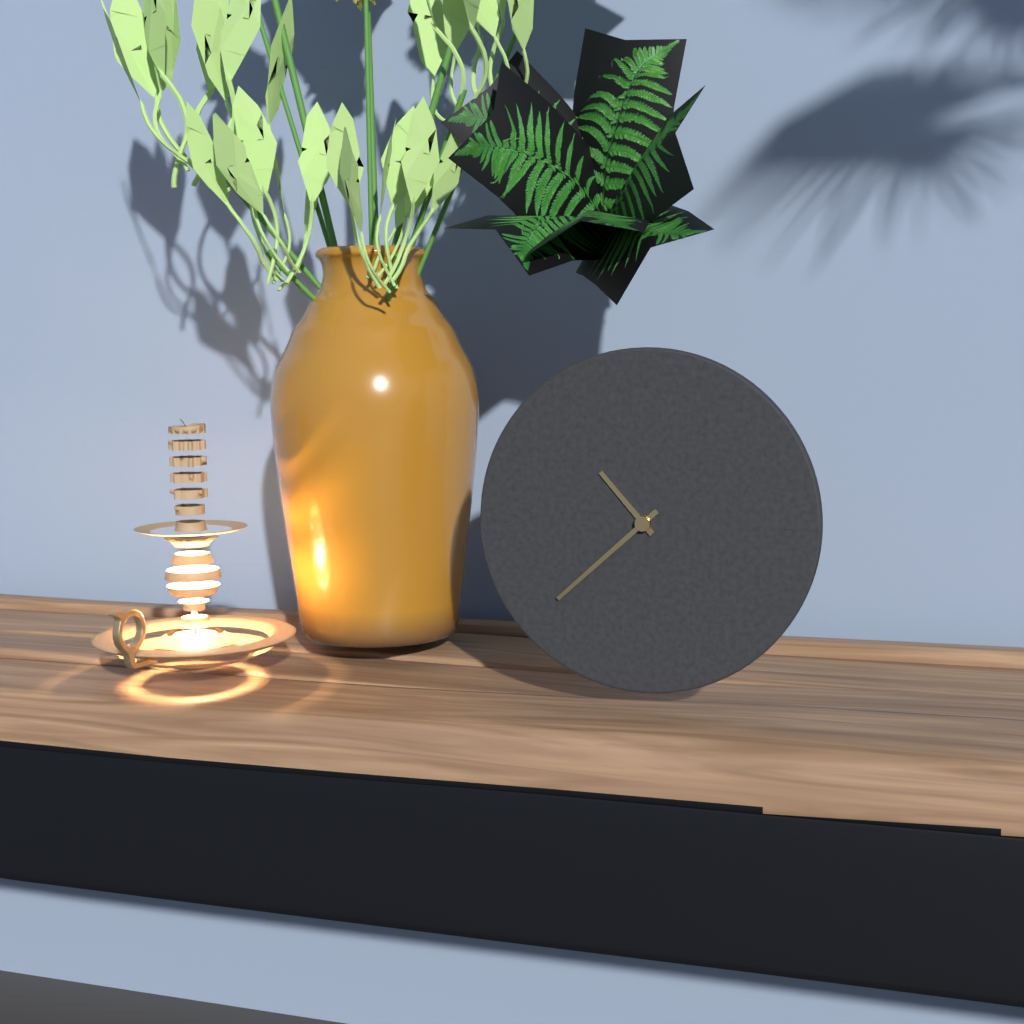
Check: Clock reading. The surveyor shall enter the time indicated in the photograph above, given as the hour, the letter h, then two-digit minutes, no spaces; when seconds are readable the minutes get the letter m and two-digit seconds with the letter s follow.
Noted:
10h38
